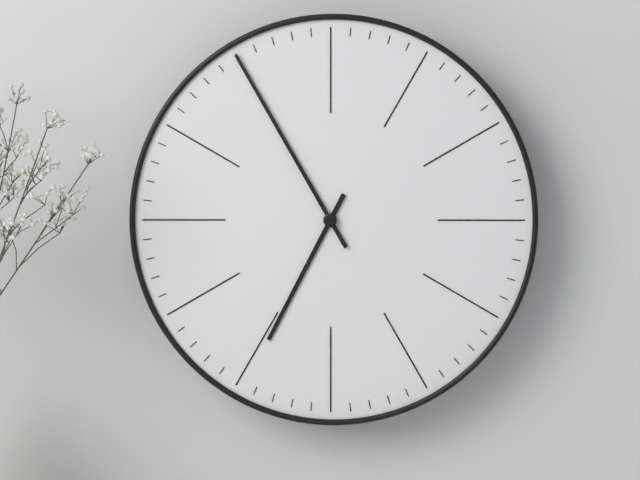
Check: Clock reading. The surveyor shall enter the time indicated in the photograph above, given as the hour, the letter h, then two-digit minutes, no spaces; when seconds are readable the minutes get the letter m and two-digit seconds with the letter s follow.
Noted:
6h55
